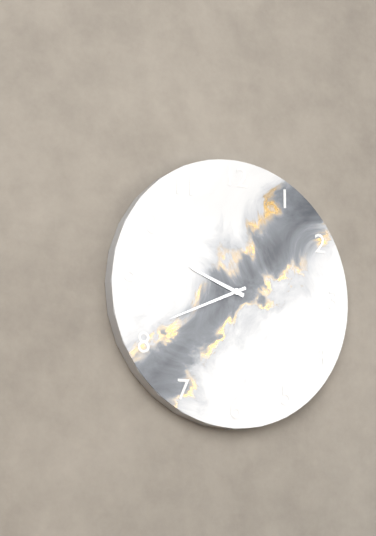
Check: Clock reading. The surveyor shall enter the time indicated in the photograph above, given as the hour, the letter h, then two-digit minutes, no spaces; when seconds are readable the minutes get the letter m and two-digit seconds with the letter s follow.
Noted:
9h41
